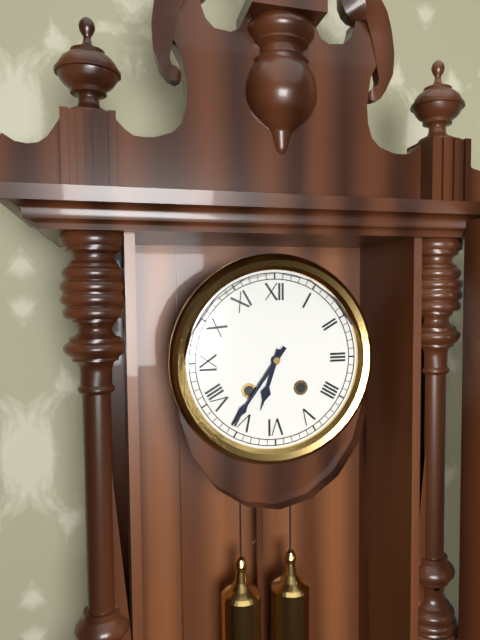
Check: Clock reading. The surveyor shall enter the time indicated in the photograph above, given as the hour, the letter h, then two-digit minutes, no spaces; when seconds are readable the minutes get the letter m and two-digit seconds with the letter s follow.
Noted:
6h36
